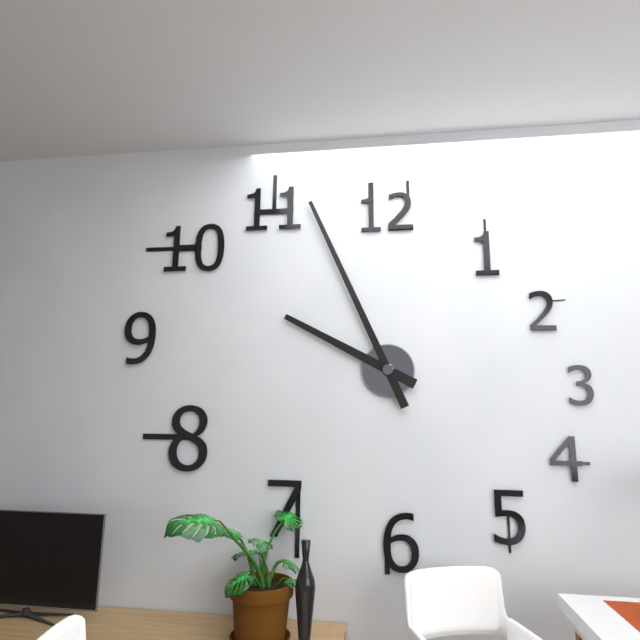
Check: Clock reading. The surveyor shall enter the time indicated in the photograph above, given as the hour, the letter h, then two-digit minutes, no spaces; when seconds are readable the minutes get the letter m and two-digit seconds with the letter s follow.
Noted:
9h56
